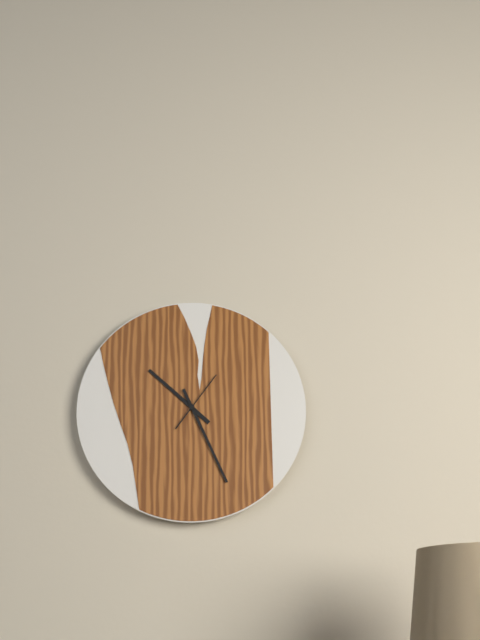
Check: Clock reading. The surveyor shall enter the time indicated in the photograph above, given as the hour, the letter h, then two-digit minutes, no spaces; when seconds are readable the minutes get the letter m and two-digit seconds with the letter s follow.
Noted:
10h26m06s
